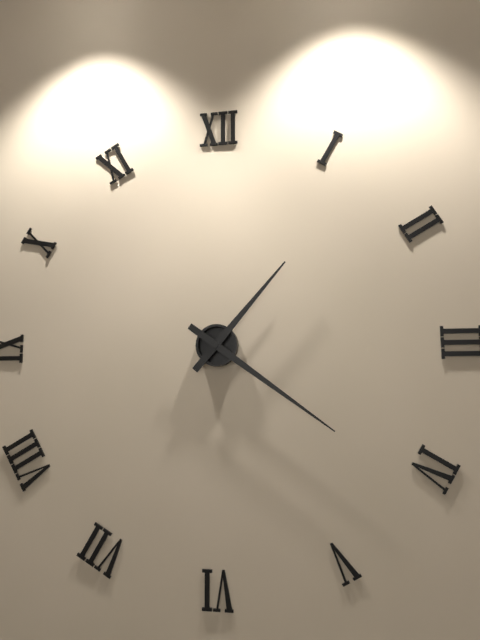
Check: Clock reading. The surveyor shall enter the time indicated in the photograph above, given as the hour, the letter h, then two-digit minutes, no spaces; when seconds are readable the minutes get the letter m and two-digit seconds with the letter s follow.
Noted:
1h21
